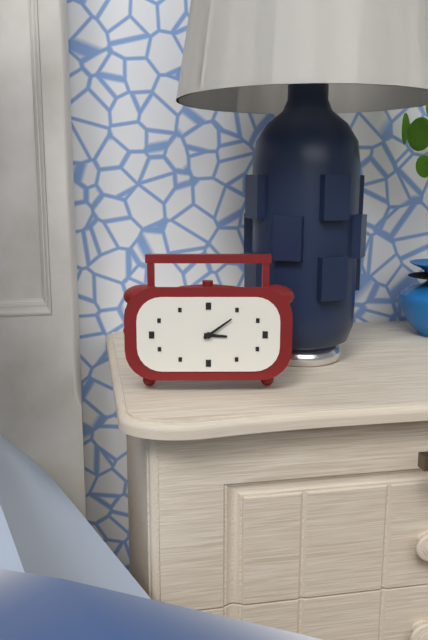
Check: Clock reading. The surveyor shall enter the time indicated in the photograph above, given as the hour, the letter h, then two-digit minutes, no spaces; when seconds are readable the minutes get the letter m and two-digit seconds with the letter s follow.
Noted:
3h09
